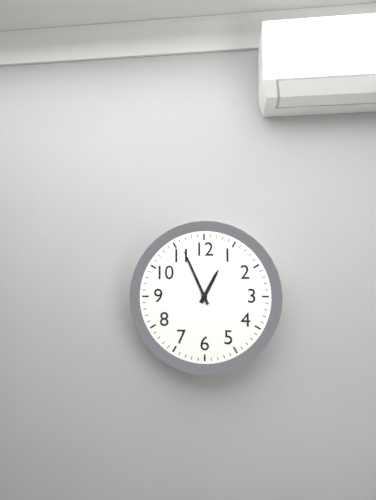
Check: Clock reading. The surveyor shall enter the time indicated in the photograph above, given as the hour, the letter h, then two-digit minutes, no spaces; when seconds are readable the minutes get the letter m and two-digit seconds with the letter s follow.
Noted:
12h56
